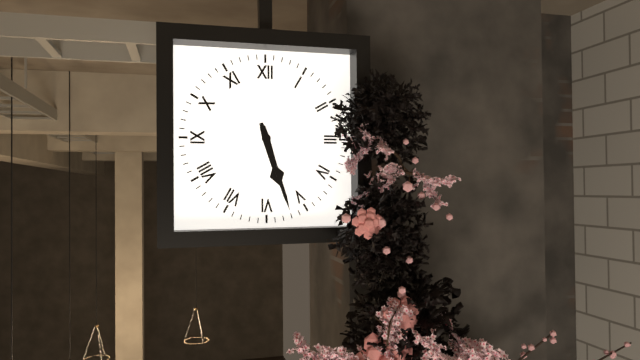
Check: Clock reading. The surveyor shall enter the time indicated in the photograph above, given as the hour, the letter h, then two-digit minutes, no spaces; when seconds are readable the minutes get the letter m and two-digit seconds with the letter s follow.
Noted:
5h27
